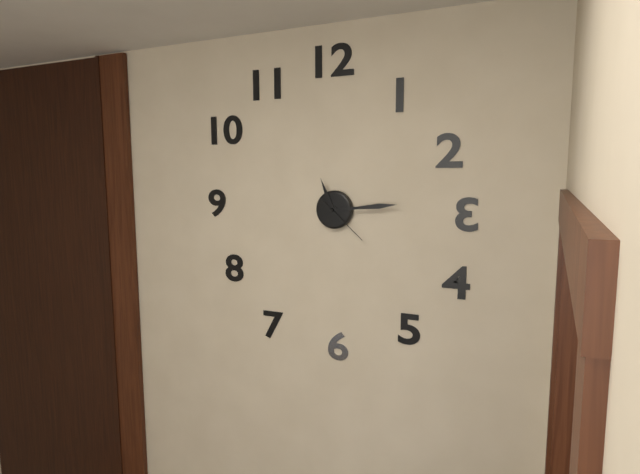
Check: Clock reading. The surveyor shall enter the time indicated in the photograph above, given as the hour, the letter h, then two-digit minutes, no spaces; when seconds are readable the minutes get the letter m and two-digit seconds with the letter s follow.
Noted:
11h14m22s
